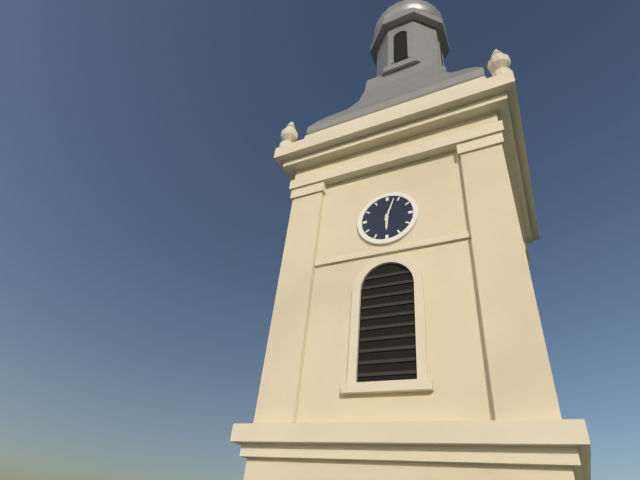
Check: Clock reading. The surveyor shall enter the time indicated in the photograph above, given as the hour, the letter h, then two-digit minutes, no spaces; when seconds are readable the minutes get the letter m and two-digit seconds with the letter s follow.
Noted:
6h03
